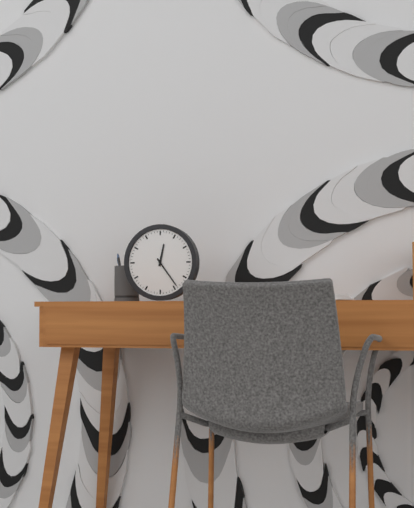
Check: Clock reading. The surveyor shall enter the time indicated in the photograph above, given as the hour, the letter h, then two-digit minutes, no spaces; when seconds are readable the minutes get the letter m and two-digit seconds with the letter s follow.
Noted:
12h24
